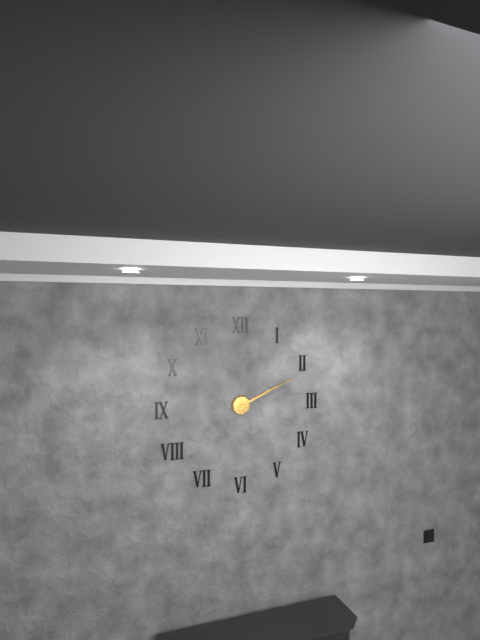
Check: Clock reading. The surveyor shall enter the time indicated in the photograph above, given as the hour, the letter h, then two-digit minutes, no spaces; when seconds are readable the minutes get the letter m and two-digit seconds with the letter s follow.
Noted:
2h11
